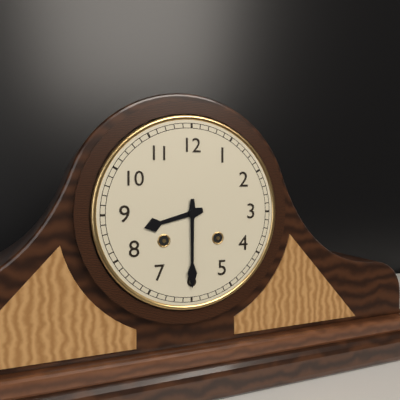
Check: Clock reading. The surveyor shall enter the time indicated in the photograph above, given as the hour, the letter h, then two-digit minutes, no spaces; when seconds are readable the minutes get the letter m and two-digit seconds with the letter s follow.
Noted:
8h30
